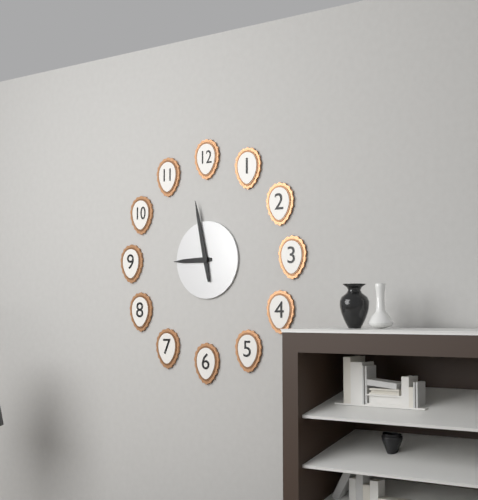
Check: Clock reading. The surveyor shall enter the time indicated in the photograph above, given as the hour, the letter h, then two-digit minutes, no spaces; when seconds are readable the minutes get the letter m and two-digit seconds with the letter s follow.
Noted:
8h58
